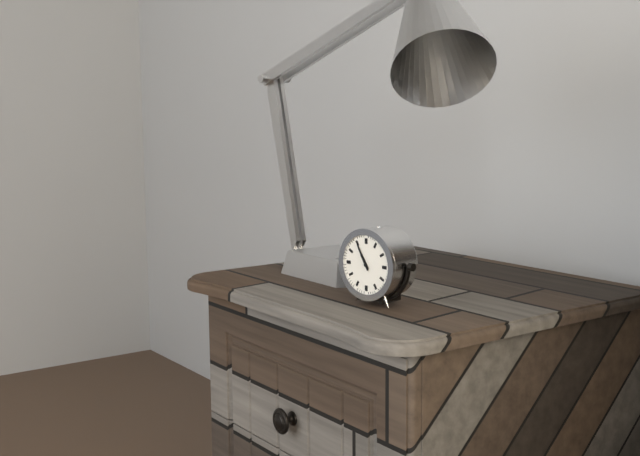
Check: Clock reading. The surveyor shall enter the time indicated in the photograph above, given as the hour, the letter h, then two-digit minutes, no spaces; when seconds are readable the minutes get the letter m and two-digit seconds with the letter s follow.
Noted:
10h55
